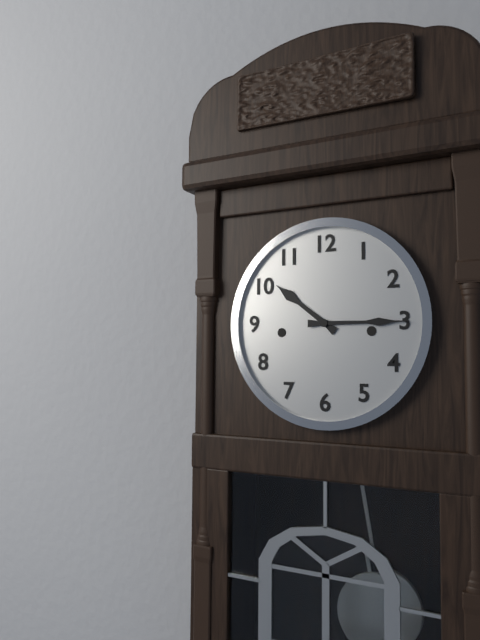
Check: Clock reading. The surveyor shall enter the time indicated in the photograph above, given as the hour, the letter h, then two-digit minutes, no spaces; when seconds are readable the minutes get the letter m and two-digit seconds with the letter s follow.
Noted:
10h15
